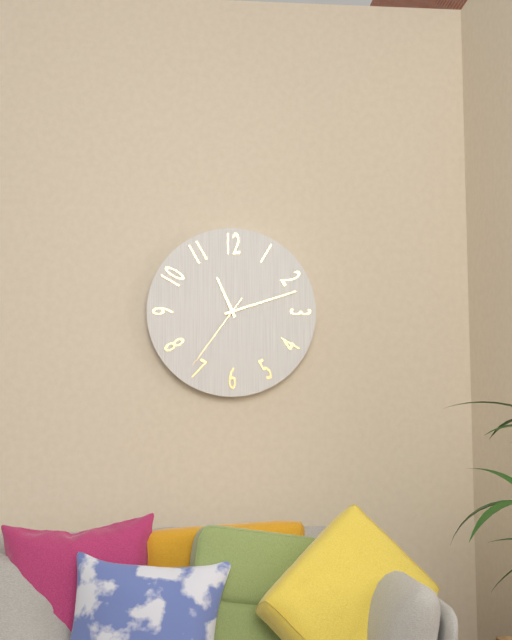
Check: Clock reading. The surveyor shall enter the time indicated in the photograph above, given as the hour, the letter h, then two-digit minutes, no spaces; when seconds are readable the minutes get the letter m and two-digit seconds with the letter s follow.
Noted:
11h12m36s
